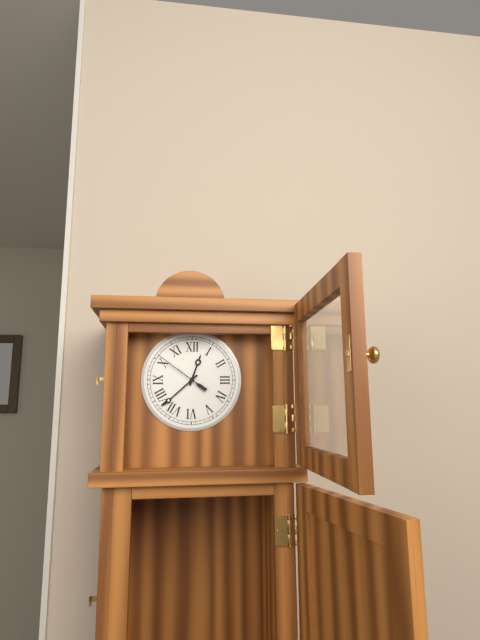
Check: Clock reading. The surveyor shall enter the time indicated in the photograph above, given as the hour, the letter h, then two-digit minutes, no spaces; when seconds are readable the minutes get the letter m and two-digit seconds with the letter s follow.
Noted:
12h38m51s
